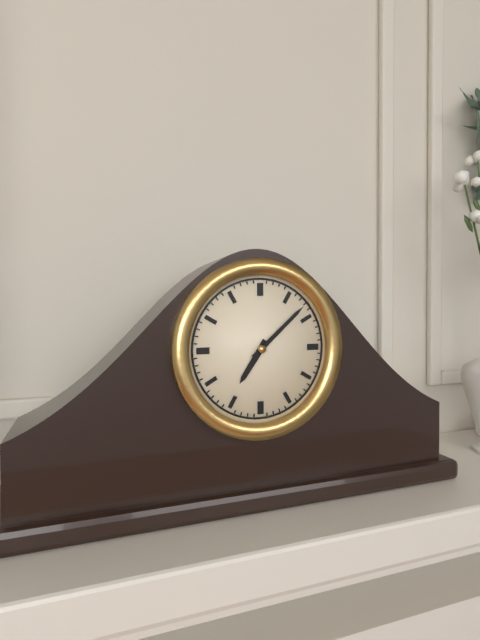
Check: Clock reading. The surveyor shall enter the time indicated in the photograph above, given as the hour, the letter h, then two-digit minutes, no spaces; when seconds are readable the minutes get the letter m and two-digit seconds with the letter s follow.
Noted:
7h08
